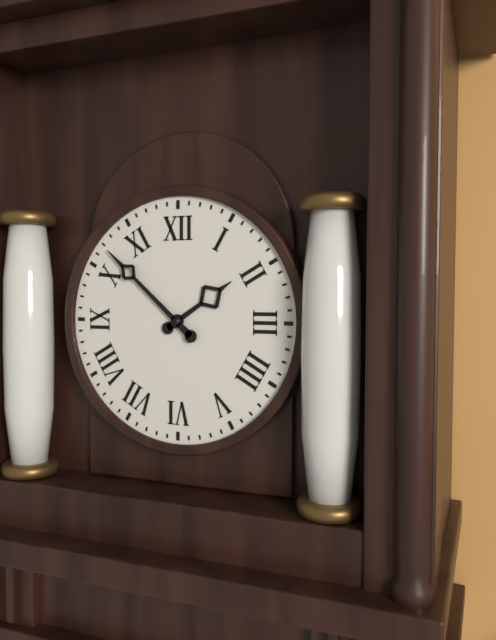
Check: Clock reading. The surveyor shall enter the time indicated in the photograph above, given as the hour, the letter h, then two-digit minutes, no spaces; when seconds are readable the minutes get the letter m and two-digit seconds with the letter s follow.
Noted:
1h52
